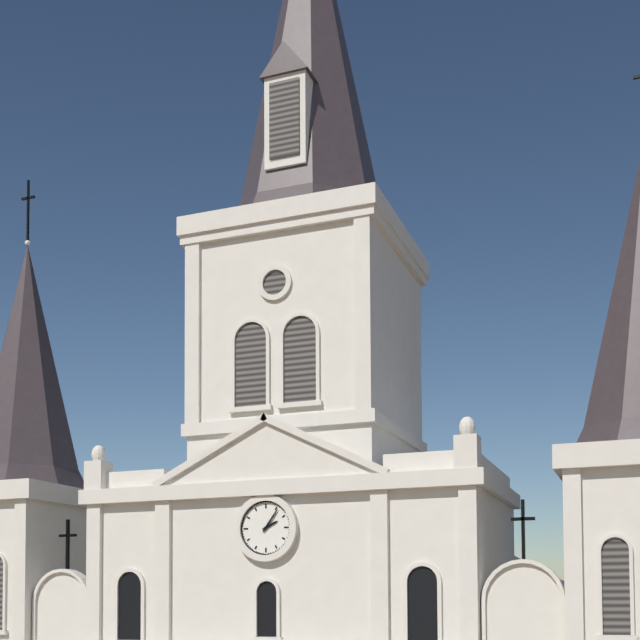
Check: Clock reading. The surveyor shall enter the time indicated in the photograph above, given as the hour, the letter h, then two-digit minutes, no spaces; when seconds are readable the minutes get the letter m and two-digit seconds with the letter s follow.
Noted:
2h06
